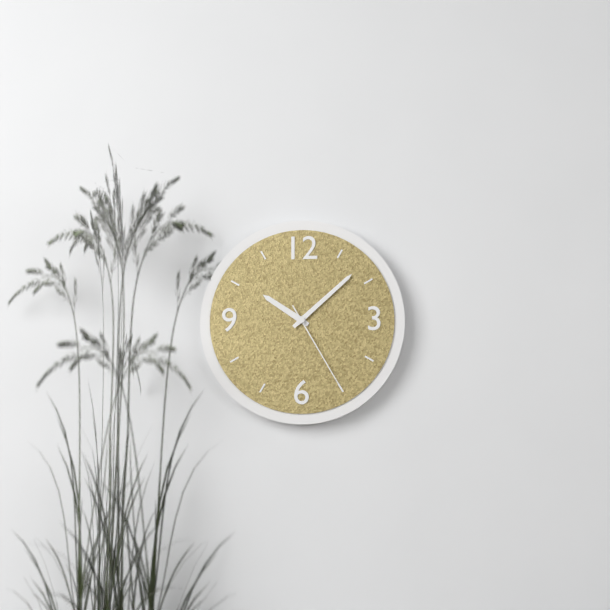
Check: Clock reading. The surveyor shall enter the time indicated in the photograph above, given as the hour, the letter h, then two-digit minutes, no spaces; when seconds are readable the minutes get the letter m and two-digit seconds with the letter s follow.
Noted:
10h08m25s
